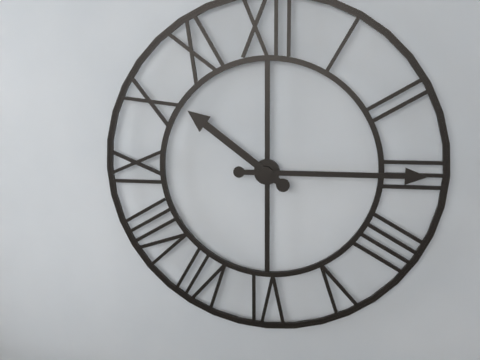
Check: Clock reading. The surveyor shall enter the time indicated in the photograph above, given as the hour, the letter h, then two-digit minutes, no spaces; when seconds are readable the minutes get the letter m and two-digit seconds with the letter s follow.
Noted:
10h15
